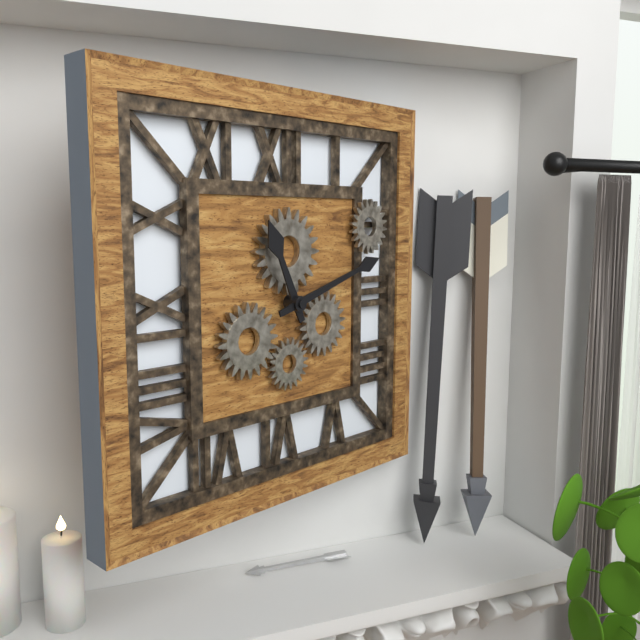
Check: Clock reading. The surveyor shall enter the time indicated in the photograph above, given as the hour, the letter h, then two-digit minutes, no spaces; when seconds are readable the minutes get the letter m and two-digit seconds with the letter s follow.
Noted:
11h12
